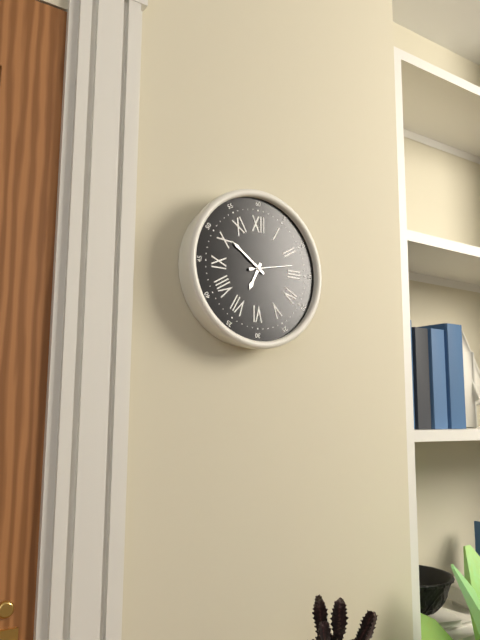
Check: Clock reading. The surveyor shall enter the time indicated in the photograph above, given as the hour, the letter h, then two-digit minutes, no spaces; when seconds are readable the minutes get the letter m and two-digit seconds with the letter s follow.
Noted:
6h51
